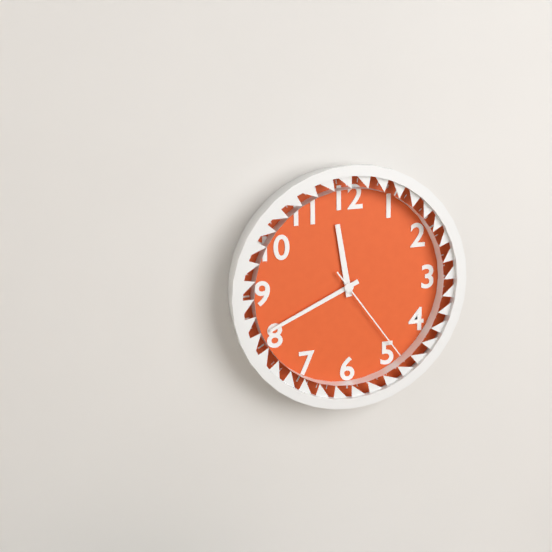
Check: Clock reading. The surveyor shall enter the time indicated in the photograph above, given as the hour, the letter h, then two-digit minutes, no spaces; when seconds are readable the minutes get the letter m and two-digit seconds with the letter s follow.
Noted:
11h41m24s
